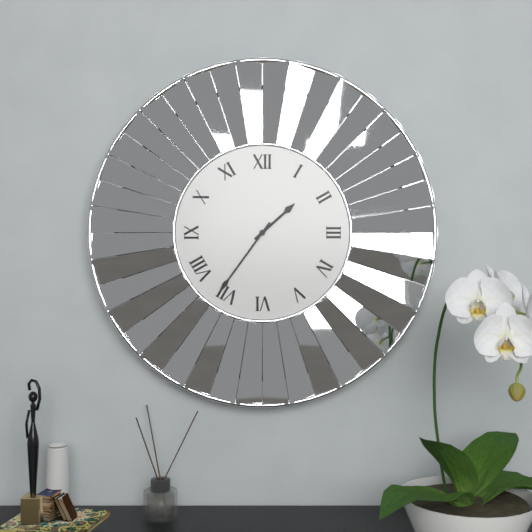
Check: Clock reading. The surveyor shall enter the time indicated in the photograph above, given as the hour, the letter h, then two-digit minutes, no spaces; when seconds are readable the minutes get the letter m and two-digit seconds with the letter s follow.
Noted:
1h36
